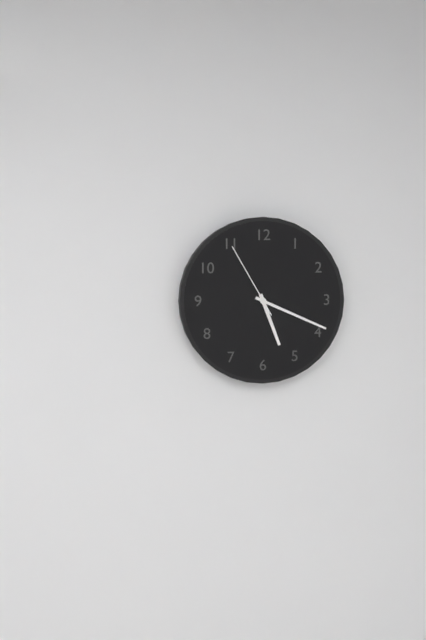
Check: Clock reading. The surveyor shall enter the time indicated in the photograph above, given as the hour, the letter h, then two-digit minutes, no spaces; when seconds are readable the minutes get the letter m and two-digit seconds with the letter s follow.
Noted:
5h19m55s
